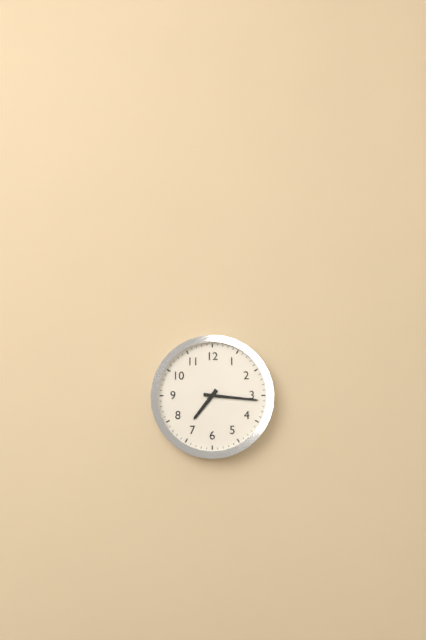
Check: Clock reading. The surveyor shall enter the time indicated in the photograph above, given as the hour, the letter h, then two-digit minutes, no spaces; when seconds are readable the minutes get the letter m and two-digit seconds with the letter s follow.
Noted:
7h16
